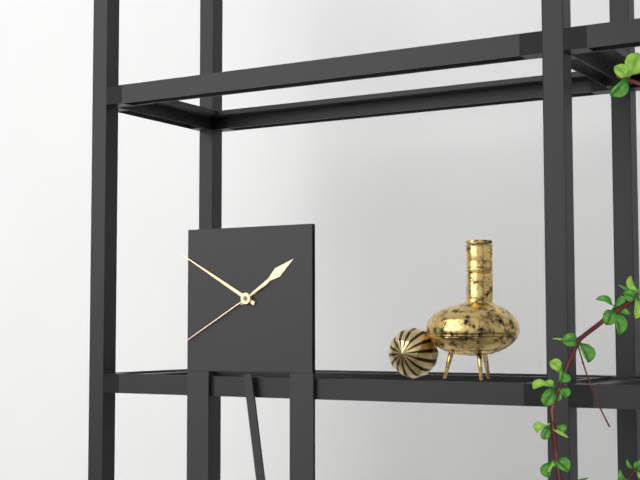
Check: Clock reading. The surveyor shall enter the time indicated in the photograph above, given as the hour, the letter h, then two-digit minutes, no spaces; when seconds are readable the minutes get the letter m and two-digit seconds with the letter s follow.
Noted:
1h50m40s
